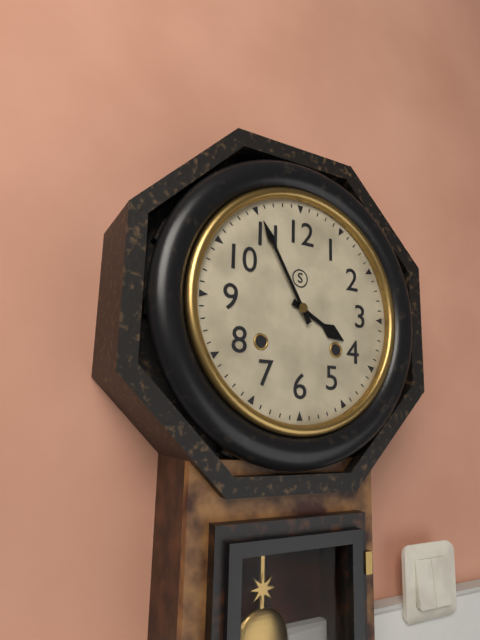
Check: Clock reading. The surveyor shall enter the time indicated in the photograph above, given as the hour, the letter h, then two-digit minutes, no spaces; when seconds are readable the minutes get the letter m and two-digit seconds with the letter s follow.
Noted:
3h55
